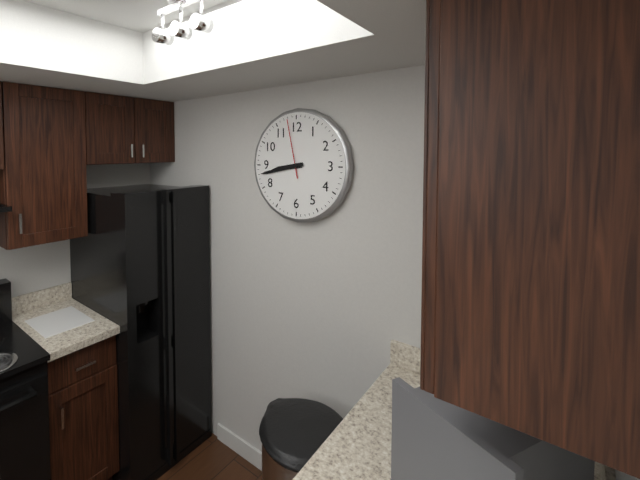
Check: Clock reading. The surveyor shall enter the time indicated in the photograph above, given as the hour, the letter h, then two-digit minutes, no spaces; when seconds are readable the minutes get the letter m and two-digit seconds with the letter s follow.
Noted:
8h43m58s
